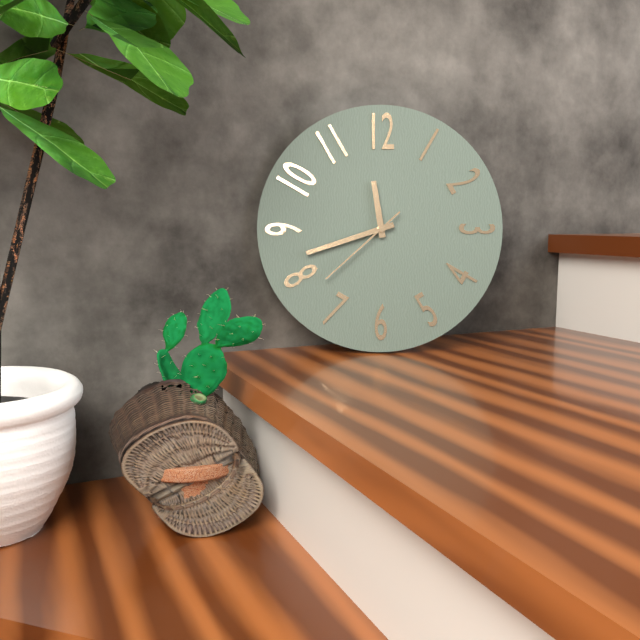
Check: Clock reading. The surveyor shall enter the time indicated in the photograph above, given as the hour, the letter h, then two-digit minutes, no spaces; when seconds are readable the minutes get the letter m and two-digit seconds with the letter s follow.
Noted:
11h42m38s
